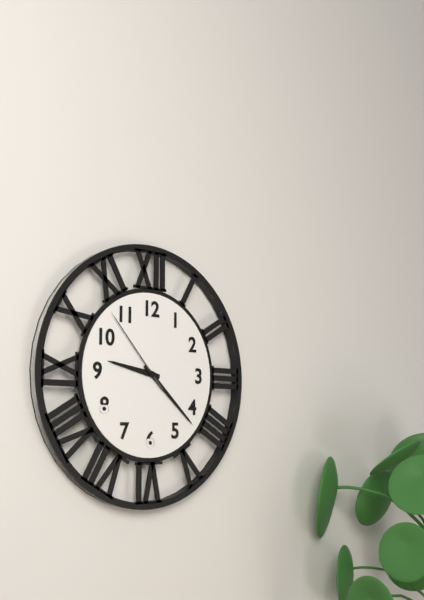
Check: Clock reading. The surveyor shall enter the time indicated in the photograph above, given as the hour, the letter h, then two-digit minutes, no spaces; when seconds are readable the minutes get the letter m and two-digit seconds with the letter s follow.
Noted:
9h22m53s
